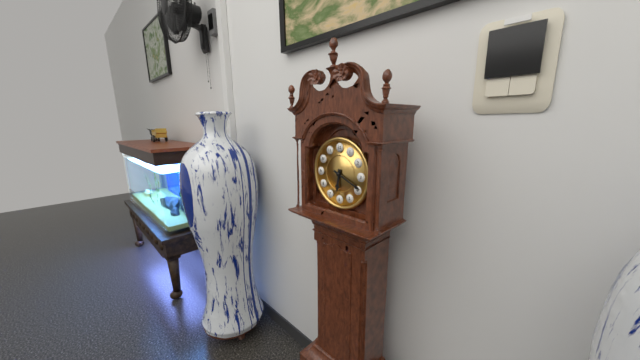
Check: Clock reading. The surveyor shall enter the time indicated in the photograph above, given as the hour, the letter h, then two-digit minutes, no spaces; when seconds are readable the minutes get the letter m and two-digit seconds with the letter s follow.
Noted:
6h19
